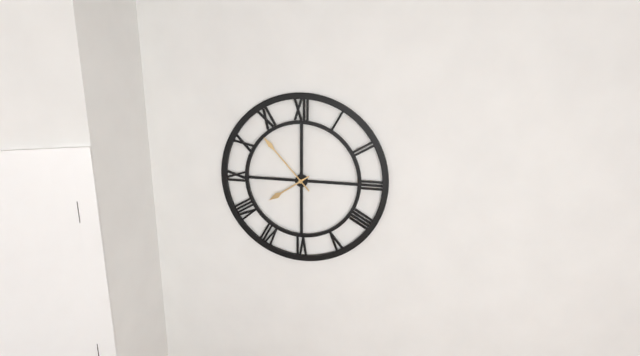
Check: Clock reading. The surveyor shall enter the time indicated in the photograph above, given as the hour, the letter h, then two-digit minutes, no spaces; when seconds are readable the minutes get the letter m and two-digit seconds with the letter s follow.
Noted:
7h53
